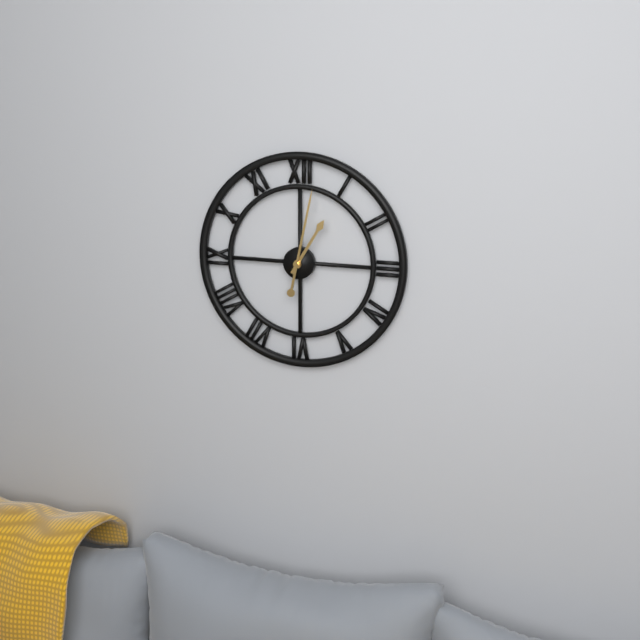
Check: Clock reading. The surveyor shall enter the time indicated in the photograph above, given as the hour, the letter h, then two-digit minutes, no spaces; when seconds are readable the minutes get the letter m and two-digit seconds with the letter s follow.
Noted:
1h02
